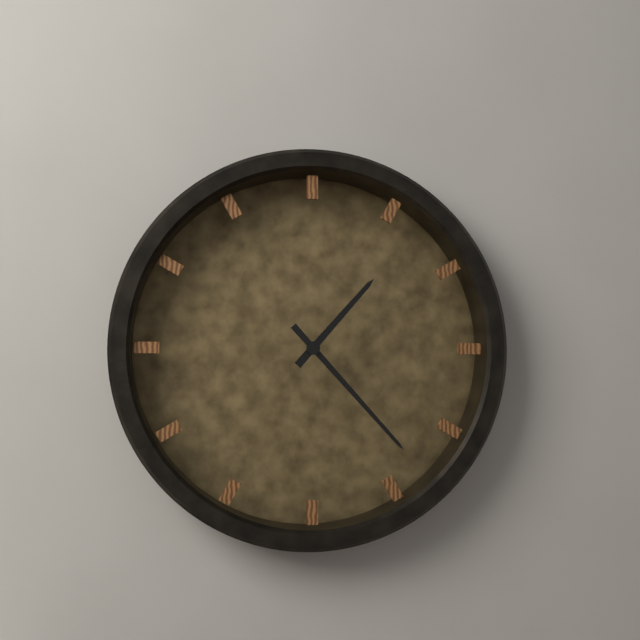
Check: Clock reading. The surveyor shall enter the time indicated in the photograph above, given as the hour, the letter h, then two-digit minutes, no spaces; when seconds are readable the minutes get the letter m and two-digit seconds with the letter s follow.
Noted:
1h23
